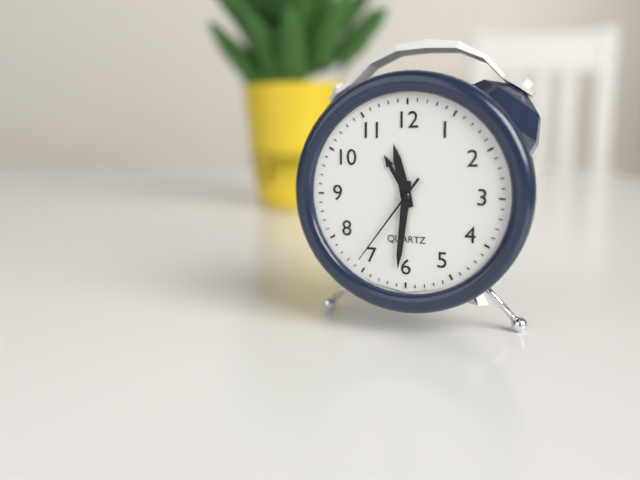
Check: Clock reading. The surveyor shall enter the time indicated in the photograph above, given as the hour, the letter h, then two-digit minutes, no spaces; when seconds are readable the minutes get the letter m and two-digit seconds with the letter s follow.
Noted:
11h31m36s
